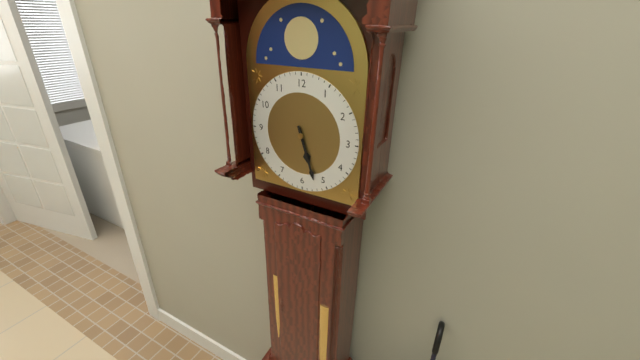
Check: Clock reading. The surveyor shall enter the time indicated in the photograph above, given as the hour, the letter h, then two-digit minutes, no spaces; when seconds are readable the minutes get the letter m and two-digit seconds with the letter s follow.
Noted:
5h27
